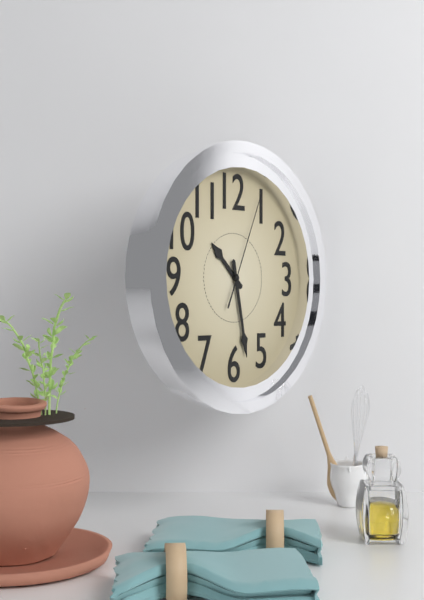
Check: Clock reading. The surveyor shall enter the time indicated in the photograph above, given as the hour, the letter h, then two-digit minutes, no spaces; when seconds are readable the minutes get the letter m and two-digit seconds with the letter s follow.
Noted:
10h28m04s
